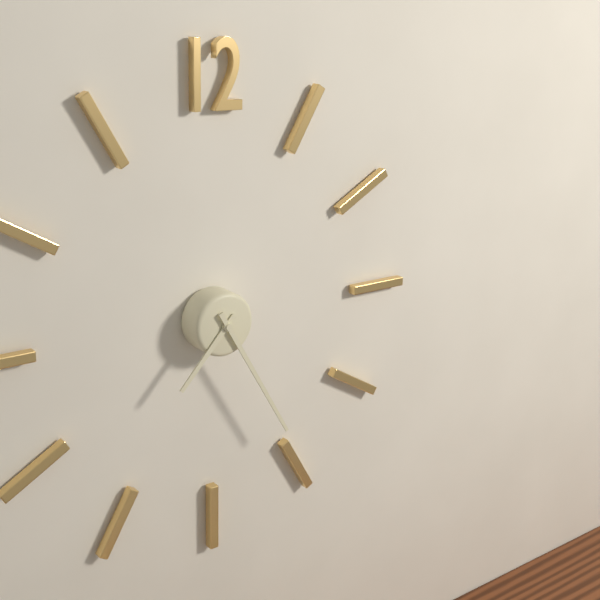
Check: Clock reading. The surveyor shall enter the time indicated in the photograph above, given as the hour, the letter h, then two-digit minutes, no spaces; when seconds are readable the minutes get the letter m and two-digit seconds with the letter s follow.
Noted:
7h25
